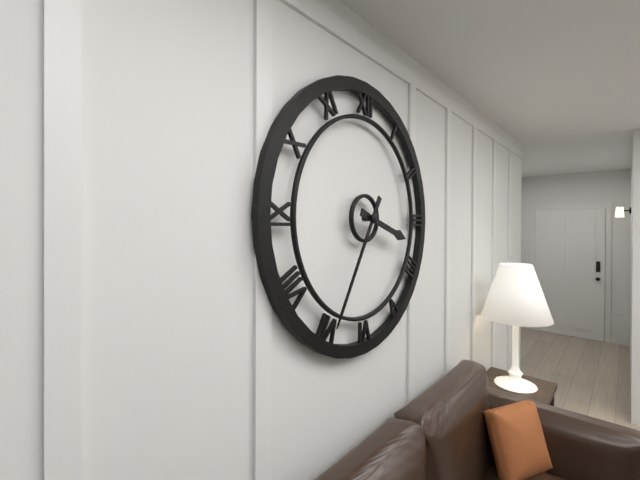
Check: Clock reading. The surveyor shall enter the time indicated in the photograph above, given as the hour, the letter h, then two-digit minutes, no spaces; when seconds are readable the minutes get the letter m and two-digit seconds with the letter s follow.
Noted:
3h35
